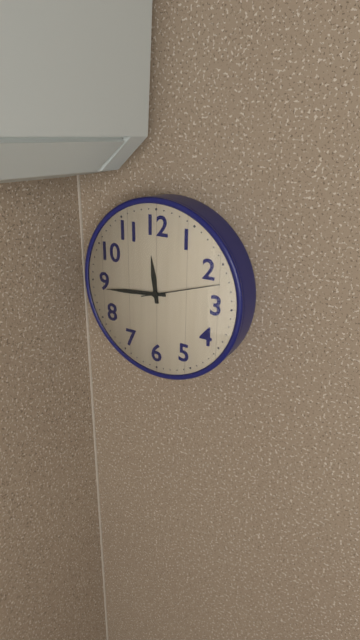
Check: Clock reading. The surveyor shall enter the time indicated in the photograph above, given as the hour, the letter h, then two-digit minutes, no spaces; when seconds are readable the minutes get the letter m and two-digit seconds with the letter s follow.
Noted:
11h44m12s
